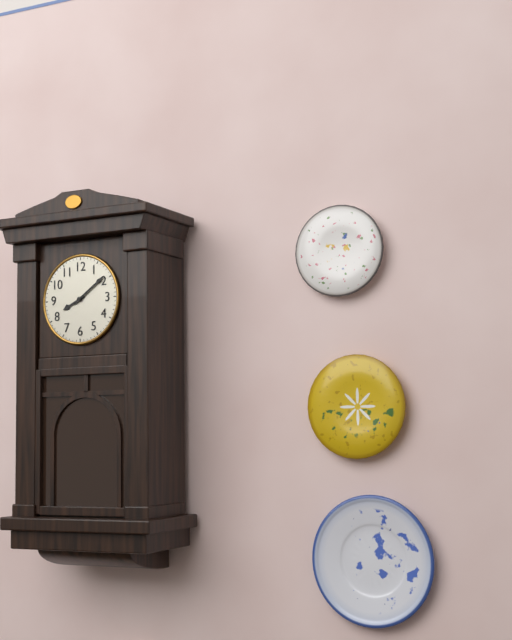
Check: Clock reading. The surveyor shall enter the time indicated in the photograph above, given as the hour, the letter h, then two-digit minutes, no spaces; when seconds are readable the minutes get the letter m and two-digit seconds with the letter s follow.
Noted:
8h09
